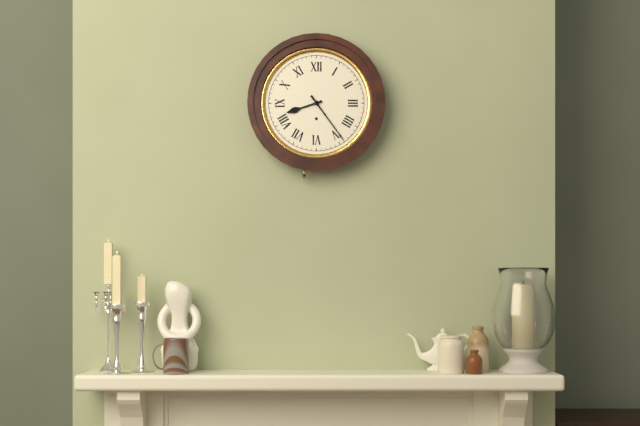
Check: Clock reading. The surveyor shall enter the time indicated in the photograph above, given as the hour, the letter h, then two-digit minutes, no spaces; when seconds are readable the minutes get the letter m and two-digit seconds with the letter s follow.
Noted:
8h24
